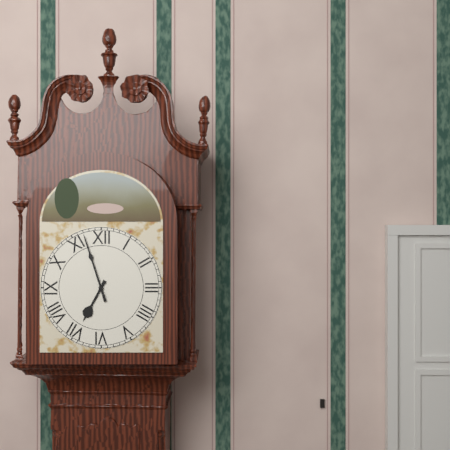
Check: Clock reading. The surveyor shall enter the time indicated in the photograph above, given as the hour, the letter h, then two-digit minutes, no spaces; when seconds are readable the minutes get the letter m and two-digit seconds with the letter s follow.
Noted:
6h57
